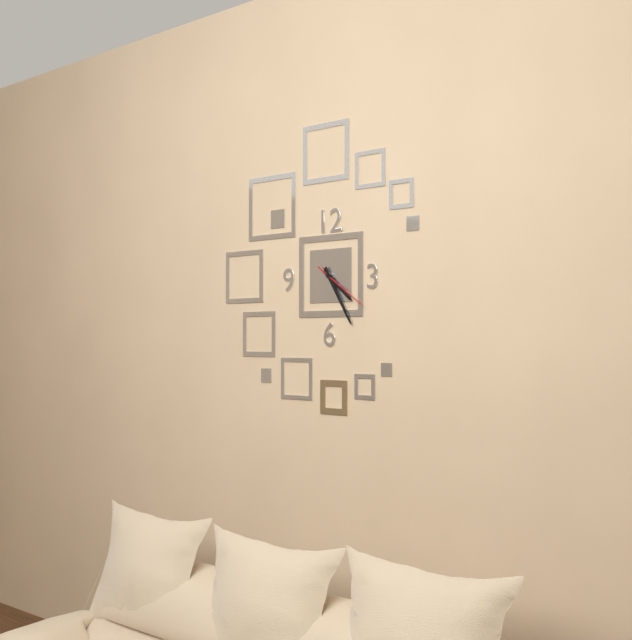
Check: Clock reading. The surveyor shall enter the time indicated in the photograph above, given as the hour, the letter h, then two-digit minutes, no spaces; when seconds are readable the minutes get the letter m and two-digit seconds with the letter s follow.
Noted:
4h25m21s
